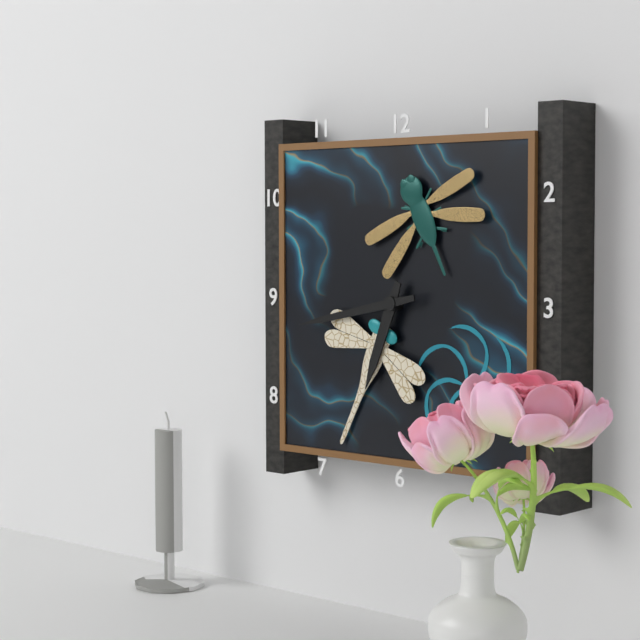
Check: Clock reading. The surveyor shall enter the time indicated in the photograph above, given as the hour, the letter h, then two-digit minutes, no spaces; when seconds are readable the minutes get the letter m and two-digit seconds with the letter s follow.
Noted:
6h43
